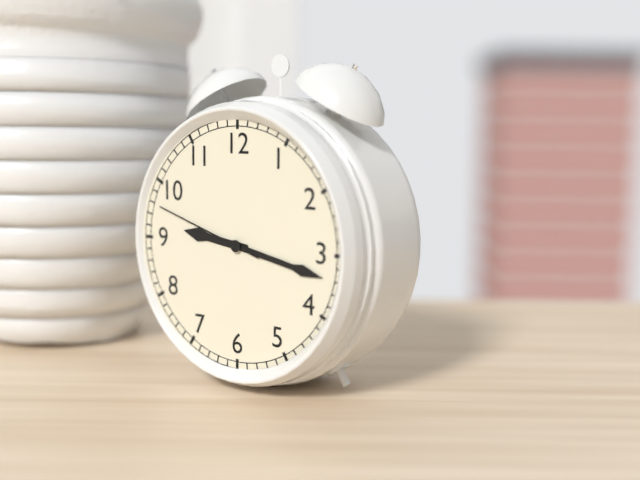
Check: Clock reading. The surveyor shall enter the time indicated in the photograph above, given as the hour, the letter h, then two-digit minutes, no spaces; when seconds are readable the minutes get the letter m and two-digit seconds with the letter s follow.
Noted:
9h17m48s
